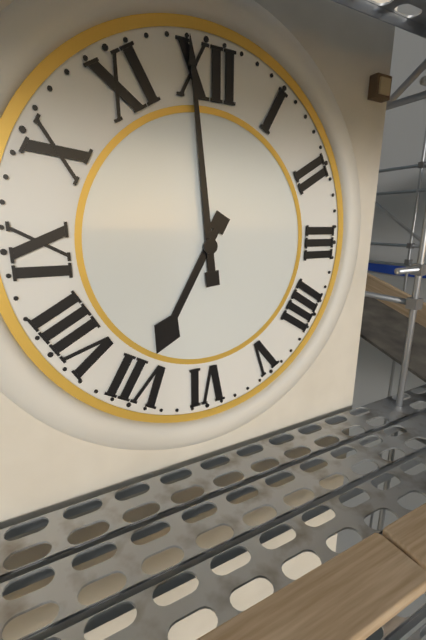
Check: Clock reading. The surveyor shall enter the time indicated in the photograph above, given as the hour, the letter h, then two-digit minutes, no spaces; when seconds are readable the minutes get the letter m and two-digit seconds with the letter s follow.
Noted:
6h59
